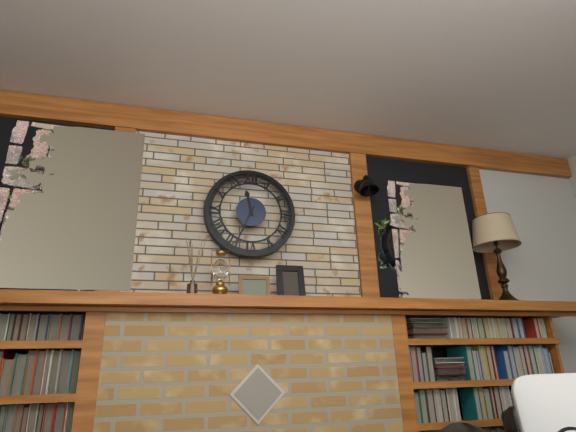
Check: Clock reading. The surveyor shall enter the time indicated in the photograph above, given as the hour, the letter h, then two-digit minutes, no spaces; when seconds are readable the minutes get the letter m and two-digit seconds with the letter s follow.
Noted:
11h34
